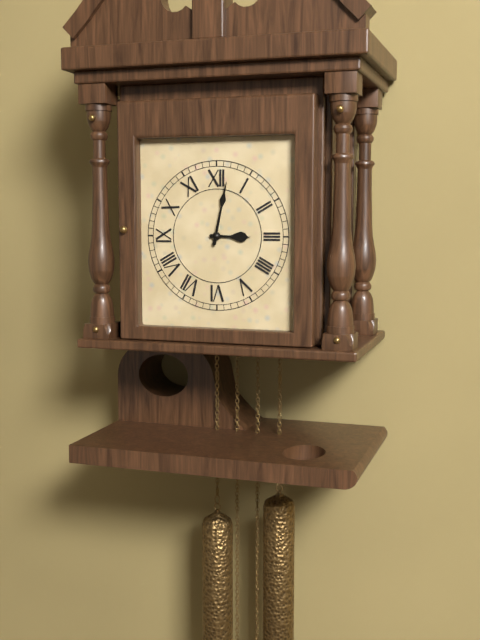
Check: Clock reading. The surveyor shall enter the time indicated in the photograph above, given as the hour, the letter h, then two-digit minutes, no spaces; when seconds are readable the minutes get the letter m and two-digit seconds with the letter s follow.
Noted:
3h02
